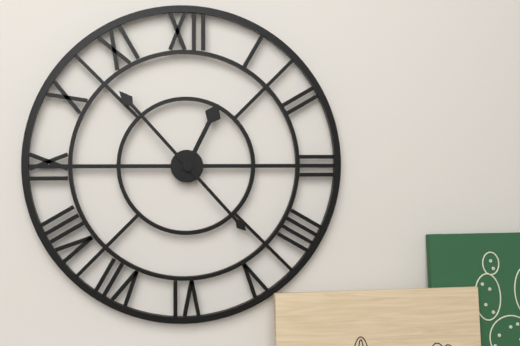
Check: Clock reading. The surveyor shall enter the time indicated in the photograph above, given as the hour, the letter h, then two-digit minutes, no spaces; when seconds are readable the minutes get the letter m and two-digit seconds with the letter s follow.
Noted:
12h53
